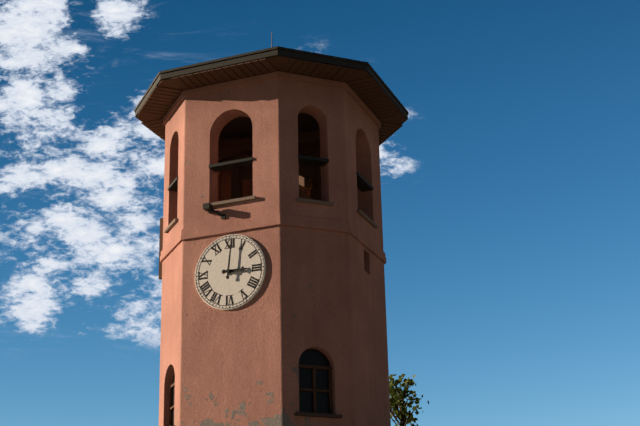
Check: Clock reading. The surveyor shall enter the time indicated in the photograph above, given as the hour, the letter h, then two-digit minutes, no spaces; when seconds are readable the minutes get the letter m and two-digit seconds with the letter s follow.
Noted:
3h01
